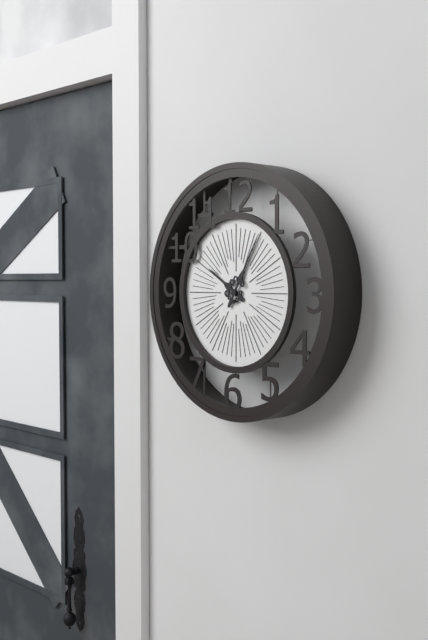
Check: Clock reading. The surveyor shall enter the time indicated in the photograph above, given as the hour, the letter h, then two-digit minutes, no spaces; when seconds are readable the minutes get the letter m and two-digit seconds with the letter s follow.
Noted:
10h05
